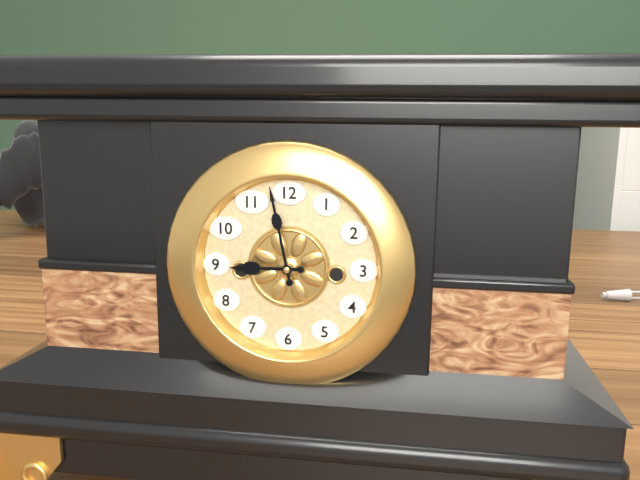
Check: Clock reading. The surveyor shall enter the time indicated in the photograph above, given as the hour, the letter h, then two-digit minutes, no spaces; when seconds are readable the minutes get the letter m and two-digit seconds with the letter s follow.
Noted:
8h58
